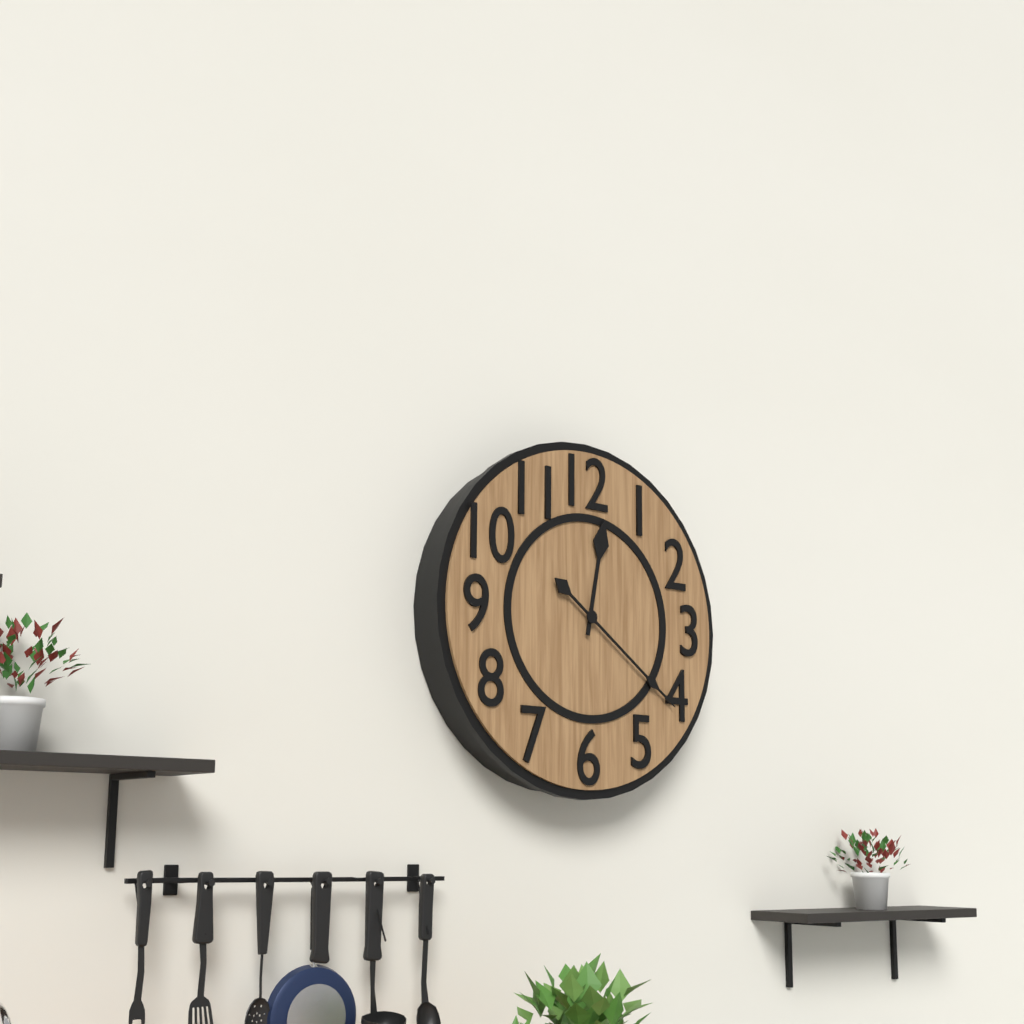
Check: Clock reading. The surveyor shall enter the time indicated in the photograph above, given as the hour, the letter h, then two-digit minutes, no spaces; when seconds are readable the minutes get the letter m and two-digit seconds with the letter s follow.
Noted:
12h21
